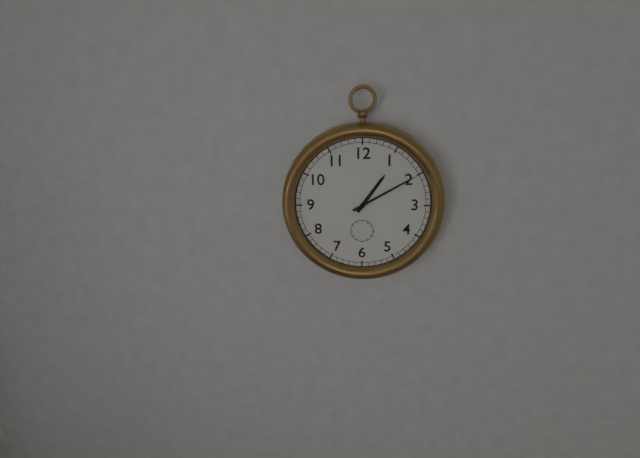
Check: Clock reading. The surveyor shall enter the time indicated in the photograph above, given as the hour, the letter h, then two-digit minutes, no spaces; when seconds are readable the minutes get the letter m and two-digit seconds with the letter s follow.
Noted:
1h10
